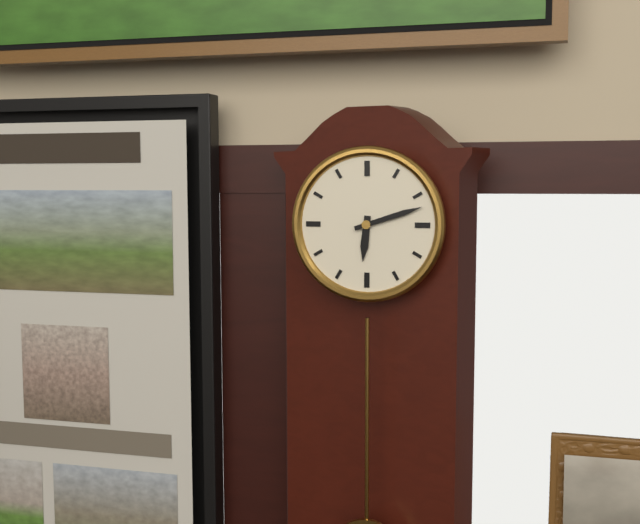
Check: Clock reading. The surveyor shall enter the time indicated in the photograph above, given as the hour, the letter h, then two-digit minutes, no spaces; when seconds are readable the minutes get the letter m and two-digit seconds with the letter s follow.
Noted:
6h12
